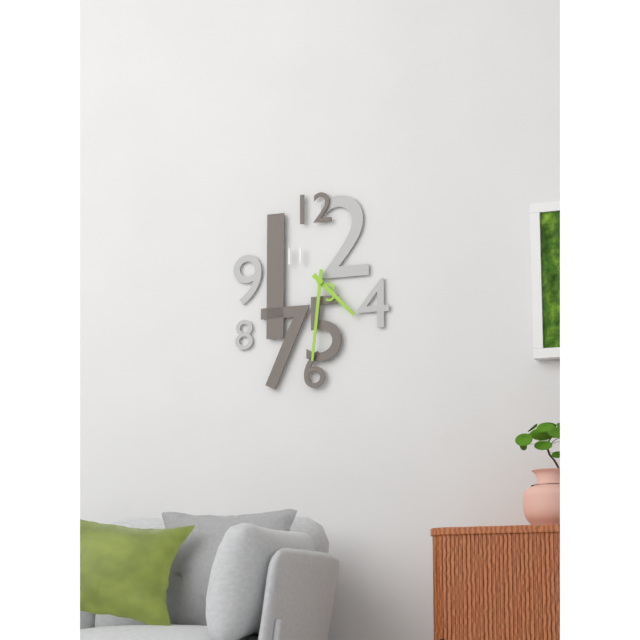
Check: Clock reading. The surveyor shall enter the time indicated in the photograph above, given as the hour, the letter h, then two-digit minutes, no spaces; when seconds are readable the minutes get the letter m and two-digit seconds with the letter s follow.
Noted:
4h31
